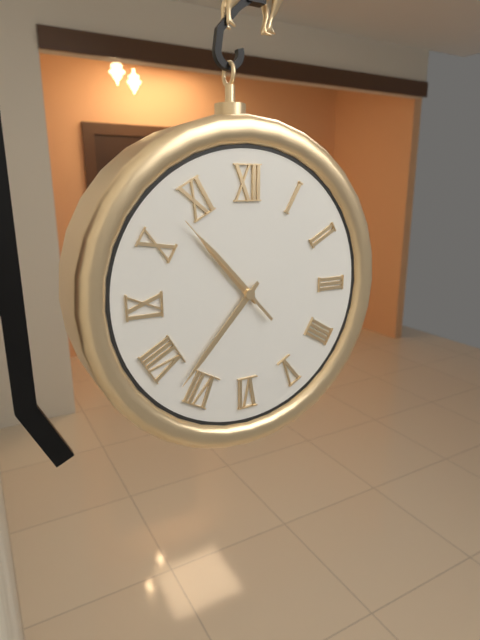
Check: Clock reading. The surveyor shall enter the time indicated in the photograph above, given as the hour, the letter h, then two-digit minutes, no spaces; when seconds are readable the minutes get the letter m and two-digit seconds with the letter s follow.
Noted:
10h37m53s
